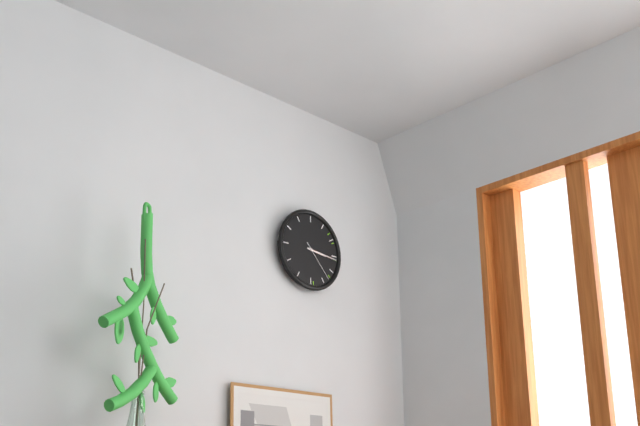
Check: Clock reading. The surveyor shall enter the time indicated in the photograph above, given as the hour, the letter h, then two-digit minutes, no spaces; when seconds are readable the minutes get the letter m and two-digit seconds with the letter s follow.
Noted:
3h16
